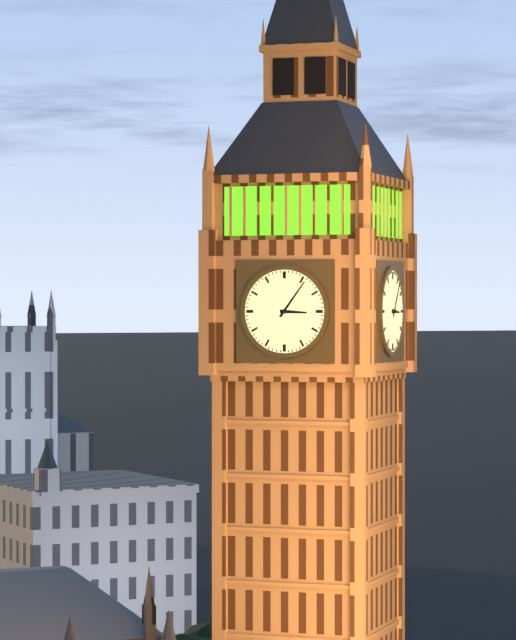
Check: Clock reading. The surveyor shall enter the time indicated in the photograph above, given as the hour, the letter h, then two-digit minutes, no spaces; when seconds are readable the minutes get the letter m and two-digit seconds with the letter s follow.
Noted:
3h06
